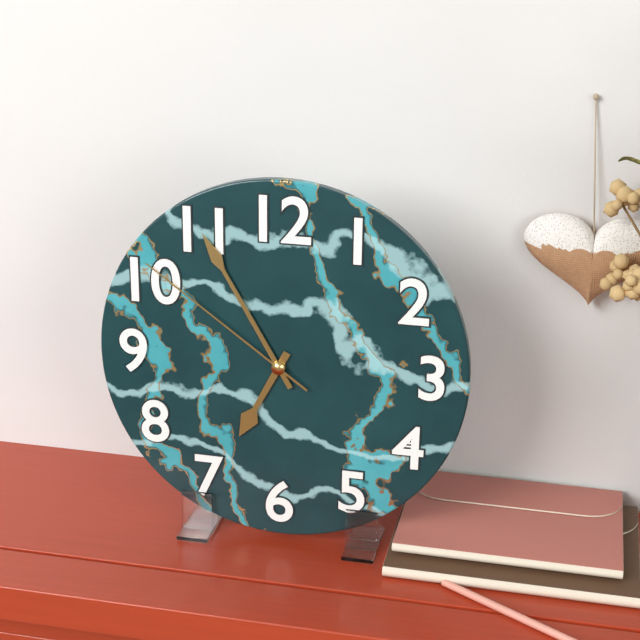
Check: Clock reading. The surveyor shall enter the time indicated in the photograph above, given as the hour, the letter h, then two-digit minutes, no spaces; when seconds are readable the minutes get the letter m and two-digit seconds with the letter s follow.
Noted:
6h55m51s
